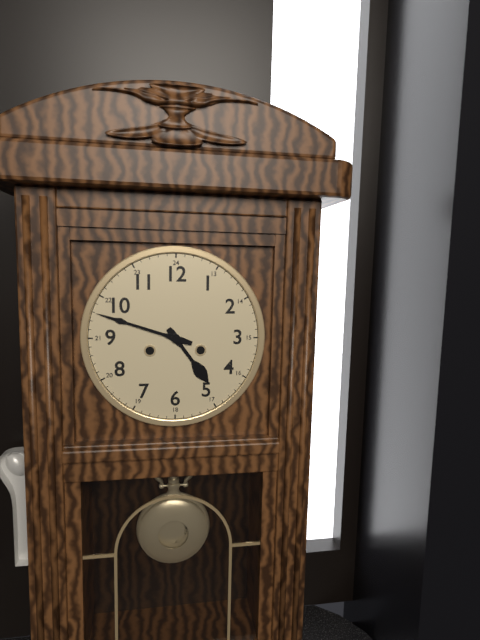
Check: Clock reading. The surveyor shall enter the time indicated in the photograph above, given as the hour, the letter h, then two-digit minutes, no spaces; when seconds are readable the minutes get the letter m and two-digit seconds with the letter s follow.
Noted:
4h48
